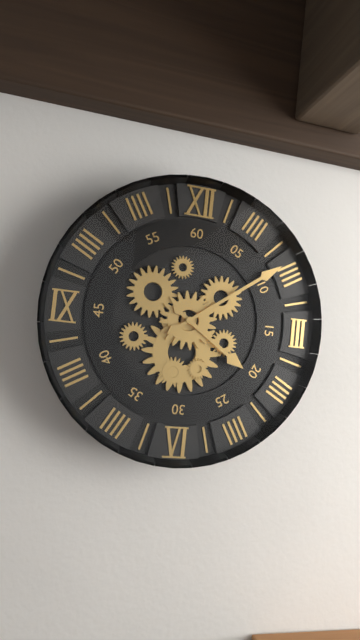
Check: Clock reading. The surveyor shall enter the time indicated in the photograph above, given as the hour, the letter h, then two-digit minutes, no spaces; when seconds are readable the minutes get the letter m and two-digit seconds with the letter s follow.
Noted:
4h09
